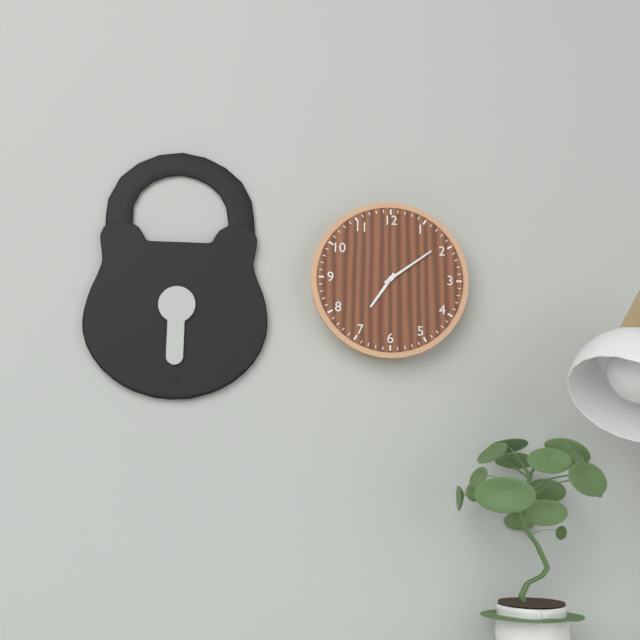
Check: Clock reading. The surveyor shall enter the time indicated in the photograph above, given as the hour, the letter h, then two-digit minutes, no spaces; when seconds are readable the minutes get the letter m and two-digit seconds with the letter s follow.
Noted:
7h09
